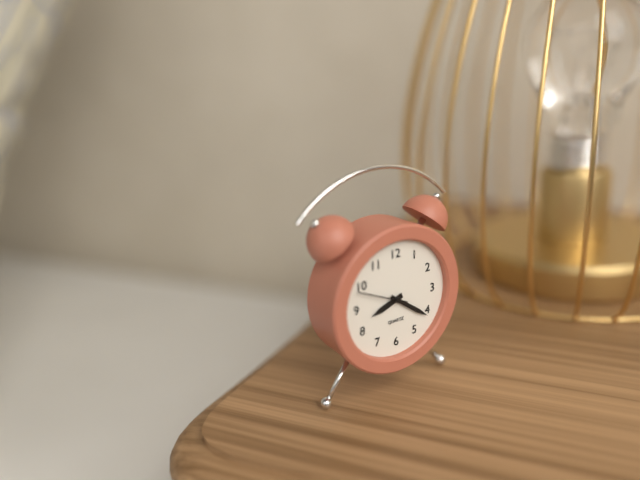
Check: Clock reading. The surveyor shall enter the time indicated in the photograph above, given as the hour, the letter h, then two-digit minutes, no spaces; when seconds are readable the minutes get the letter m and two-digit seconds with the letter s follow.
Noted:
8h21m49s
